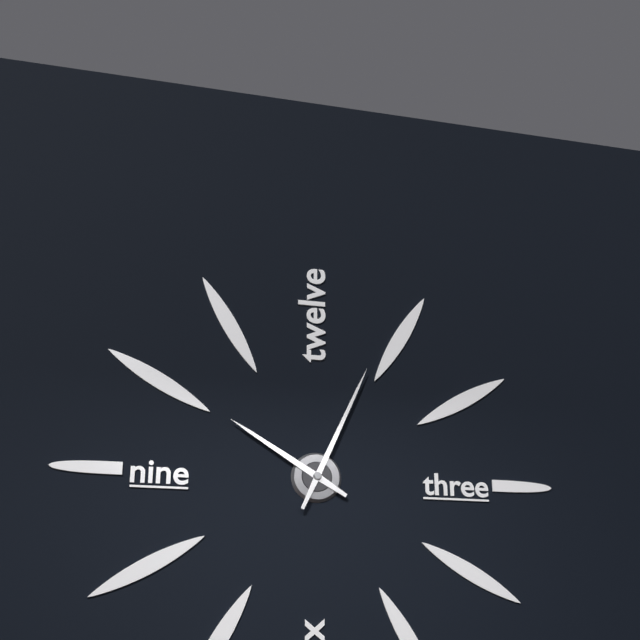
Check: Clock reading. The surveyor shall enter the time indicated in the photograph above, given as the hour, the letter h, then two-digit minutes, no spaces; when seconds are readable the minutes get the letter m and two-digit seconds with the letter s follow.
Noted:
10h04
